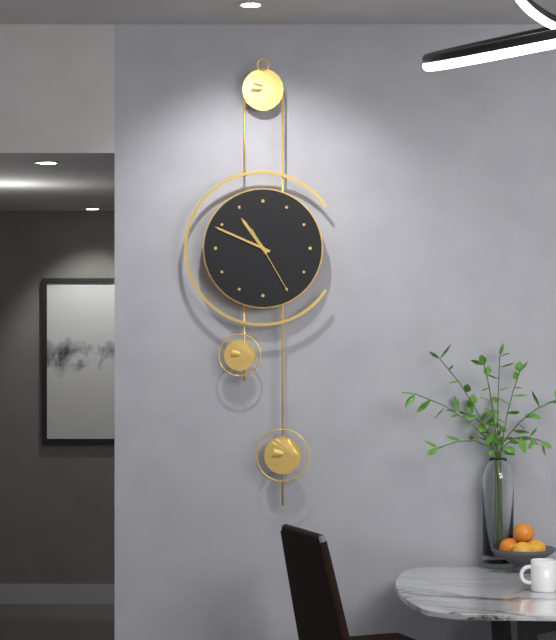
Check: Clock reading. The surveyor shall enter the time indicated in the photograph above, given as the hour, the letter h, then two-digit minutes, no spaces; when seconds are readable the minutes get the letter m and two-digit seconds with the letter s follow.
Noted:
10h49m25s
